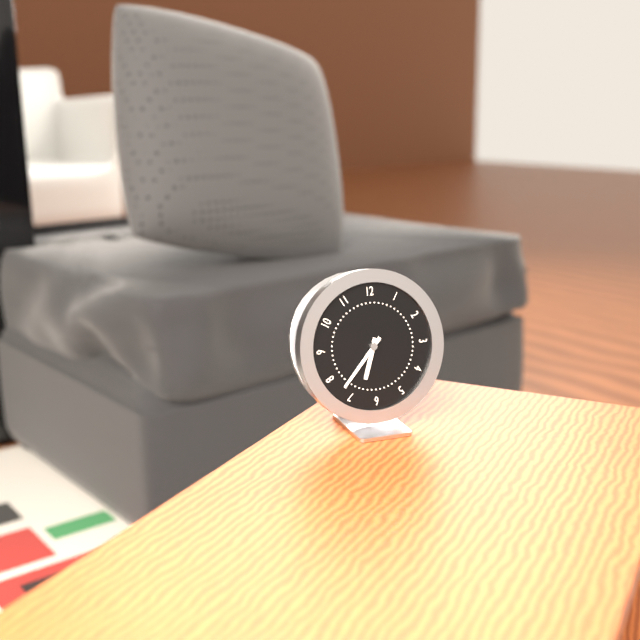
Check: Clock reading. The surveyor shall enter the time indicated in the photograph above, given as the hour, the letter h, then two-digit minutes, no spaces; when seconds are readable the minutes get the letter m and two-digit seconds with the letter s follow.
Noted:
6h37
